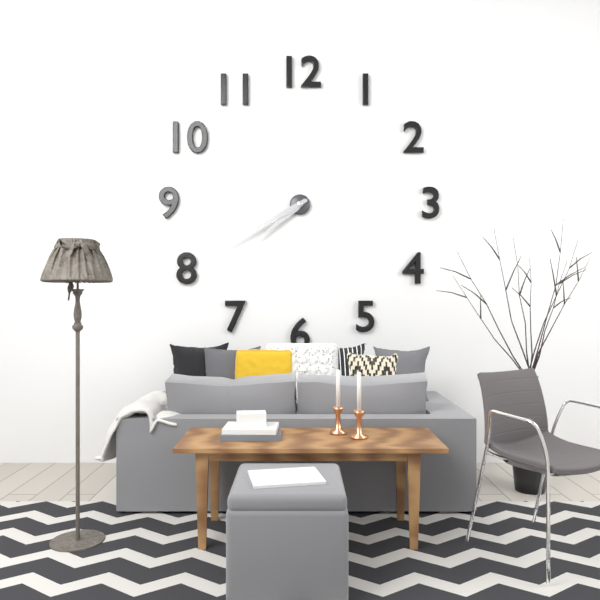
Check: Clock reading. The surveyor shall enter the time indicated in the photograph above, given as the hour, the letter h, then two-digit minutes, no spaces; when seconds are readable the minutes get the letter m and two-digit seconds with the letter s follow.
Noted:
7h40
